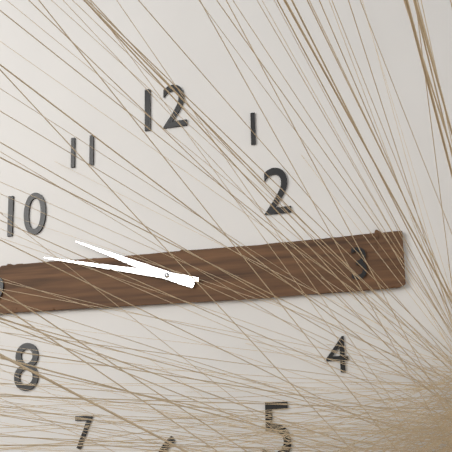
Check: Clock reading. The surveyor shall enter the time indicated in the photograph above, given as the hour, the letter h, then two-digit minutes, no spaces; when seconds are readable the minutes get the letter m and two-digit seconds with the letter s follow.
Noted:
9h47
